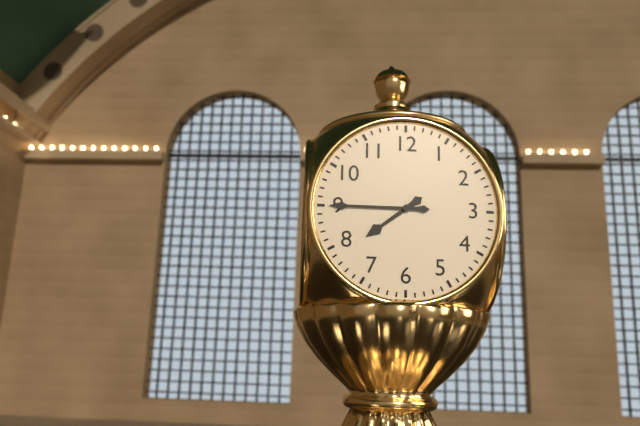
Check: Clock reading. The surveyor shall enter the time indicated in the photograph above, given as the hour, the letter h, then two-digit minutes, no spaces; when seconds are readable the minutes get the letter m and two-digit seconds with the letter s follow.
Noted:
7h45
